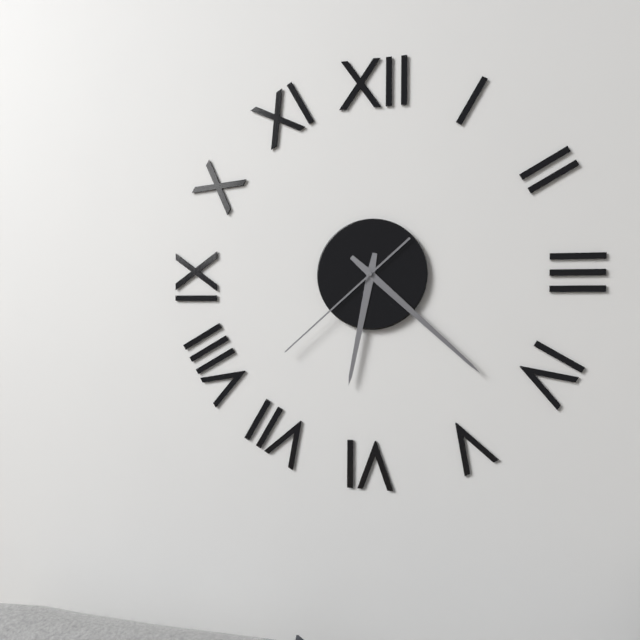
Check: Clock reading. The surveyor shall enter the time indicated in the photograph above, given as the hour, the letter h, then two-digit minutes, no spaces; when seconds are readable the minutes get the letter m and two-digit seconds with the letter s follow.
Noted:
6h22m38s
